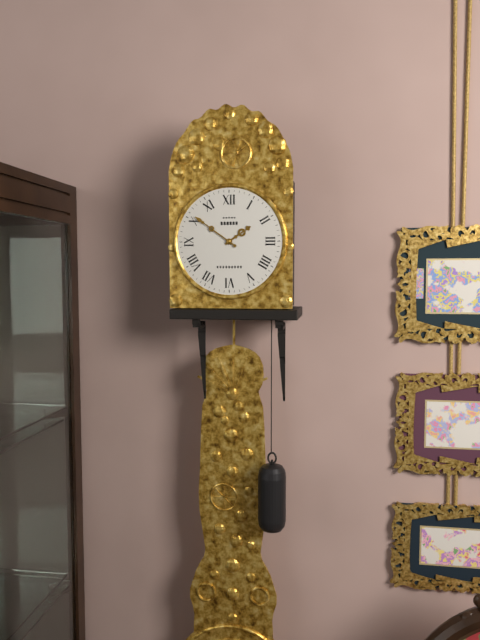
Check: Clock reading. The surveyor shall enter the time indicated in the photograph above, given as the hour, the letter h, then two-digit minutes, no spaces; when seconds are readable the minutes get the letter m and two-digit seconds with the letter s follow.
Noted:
1h51
